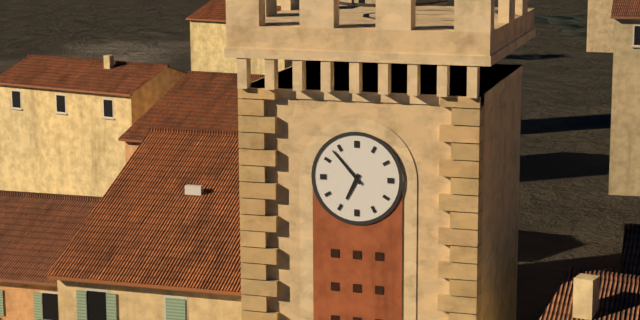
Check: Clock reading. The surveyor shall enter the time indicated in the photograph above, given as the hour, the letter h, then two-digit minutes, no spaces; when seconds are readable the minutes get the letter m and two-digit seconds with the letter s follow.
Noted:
6h53
